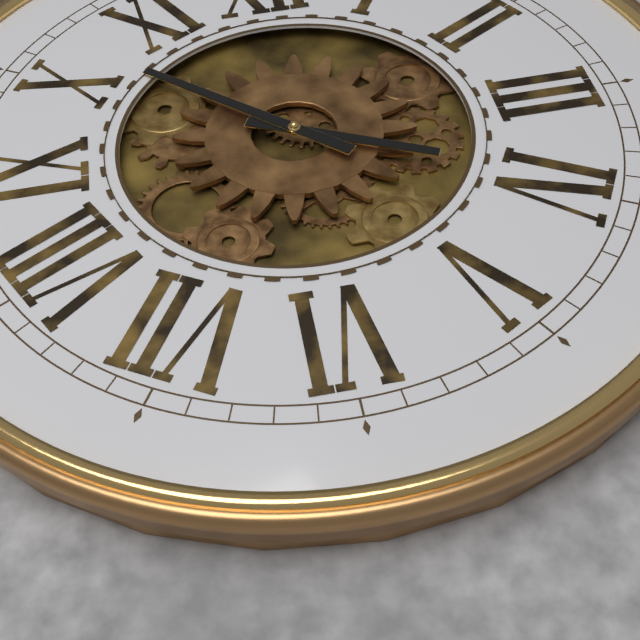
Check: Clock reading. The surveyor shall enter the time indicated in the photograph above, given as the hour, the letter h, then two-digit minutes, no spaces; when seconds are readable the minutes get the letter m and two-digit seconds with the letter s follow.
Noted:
3h52
